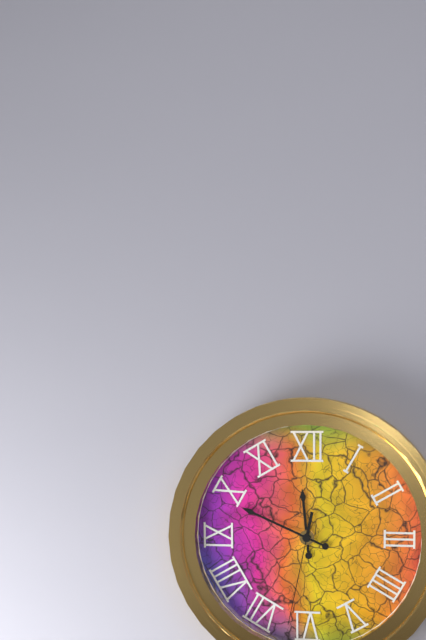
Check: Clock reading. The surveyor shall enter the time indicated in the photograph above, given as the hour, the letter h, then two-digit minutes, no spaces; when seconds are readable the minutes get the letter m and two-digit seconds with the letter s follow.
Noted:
11h49m32s
